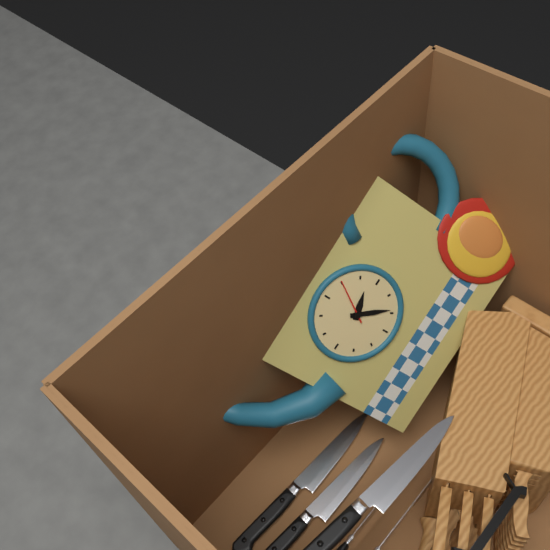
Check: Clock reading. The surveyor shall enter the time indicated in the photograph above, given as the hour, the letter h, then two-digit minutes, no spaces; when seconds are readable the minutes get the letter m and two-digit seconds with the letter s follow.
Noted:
2h24
